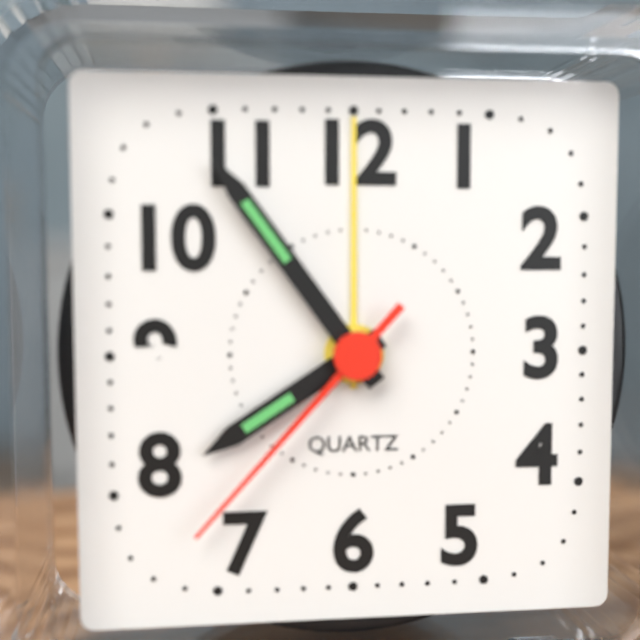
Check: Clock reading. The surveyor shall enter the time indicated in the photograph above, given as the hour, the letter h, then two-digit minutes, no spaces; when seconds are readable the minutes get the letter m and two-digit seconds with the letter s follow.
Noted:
7h54m37s
